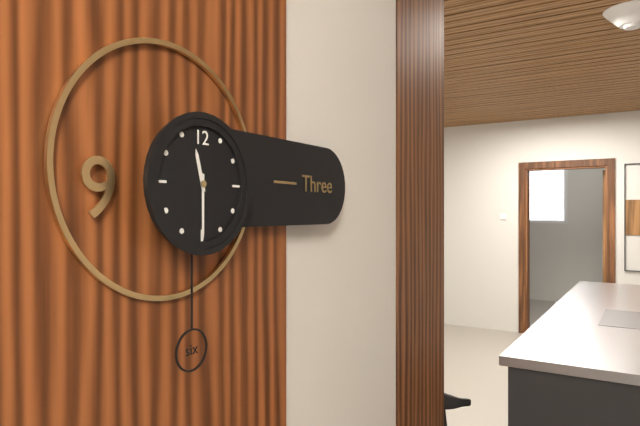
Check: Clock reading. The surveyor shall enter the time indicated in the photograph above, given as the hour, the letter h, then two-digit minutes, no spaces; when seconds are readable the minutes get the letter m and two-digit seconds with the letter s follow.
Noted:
11h30
